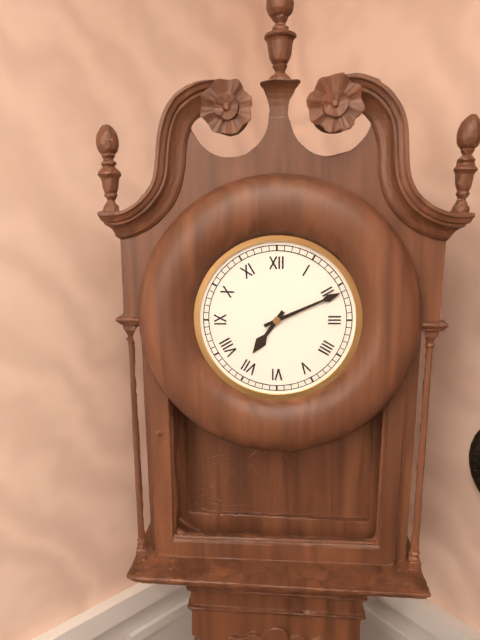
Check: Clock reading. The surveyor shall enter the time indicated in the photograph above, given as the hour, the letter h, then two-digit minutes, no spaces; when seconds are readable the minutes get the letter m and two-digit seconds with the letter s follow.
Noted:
7h11
